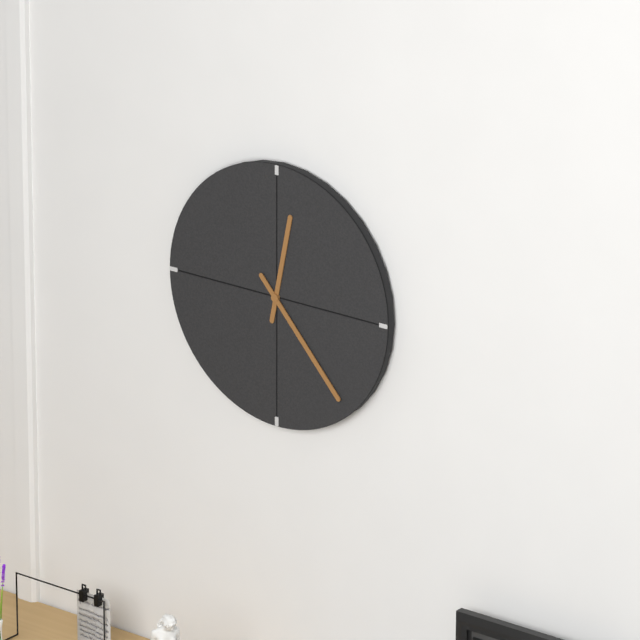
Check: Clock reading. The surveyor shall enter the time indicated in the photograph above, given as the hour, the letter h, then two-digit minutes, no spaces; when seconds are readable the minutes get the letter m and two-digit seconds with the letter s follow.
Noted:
12h23
